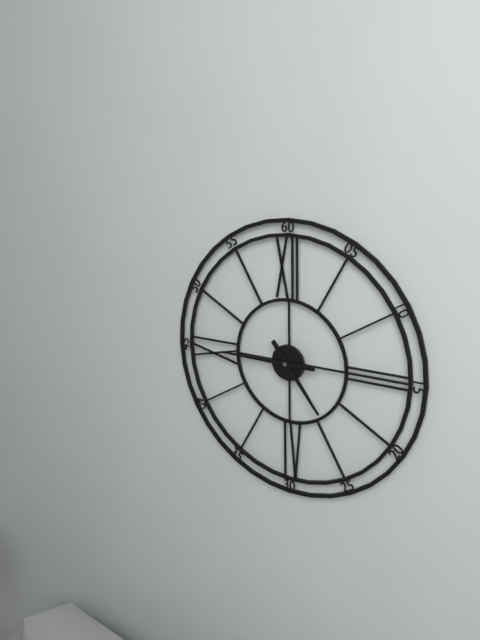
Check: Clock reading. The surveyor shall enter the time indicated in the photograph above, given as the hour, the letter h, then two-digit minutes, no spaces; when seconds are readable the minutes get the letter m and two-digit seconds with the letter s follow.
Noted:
4h45
